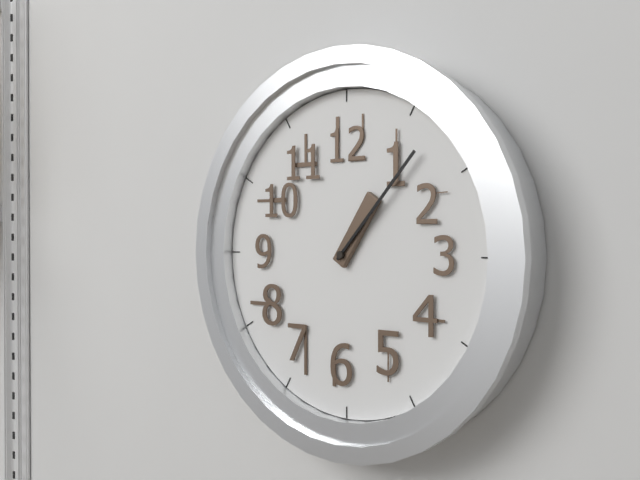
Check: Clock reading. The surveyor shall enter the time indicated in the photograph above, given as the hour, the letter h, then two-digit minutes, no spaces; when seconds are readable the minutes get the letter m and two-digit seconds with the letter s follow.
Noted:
1h07
